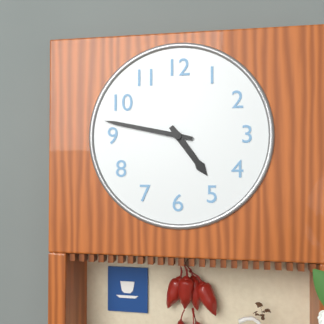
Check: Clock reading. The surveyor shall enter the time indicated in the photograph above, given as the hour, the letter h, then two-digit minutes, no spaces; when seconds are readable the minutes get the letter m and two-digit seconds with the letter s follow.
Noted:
4h47
